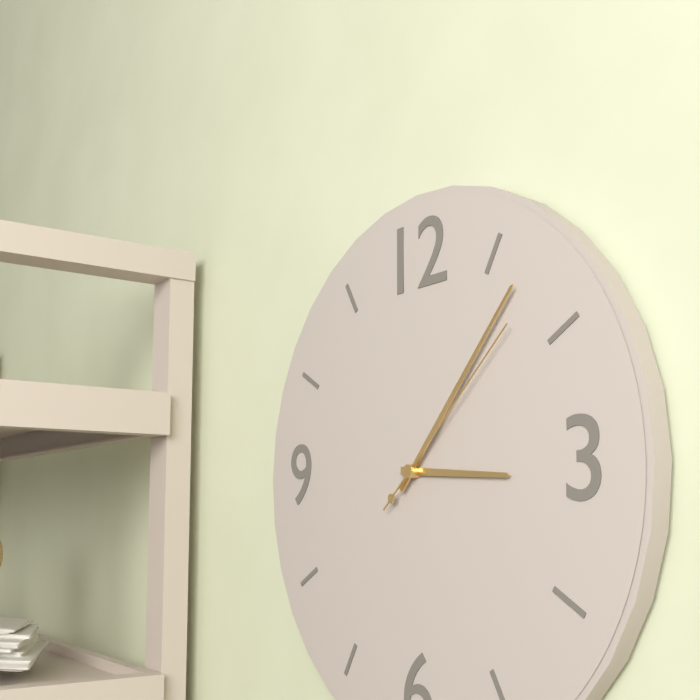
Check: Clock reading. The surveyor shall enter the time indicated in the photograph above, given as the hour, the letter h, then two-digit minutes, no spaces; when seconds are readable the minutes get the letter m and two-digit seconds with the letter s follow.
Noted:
3h07m08s
